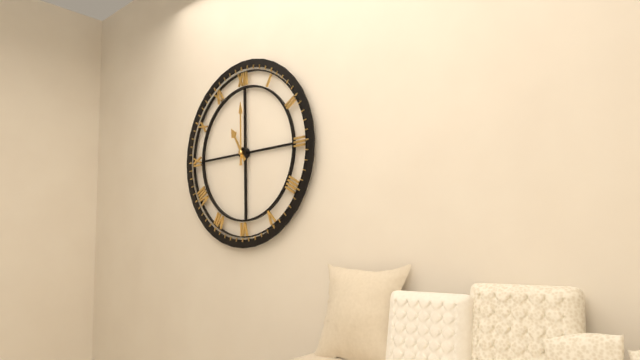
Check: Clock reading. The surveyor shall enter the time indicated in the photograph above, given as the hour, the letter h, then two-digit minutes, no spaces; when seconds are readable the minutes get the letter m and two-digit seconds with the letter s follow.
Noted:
11h00
